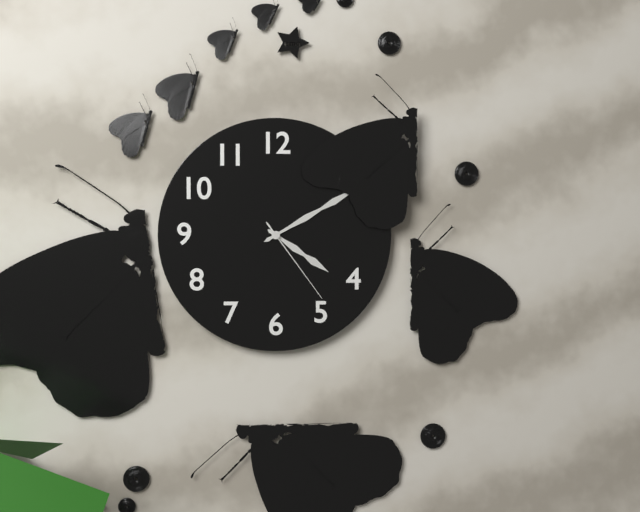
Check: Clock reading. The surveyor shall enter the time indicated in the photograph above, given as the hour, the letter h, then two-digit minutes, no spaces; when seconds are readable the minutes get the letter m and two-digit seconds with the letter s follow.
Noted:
4h10m24s
